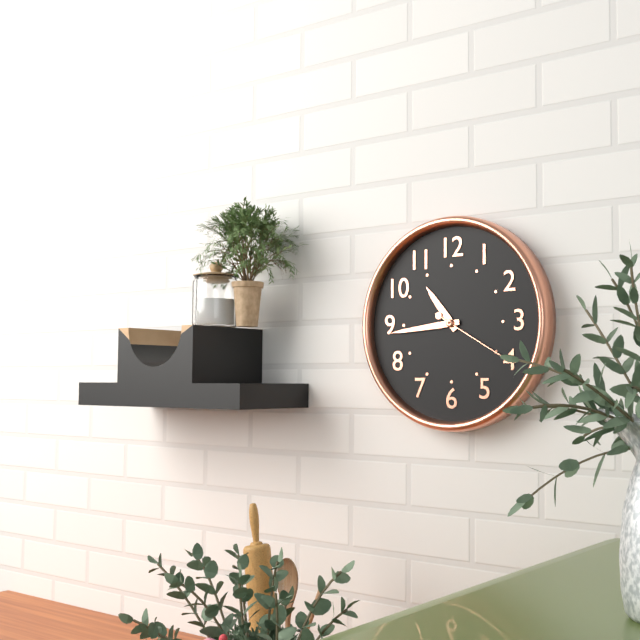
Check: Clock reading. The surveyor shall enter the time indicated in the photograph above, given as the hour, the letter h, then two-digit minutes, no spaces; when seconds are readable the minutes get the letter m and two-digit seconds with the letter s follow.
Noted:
10h44m20s
